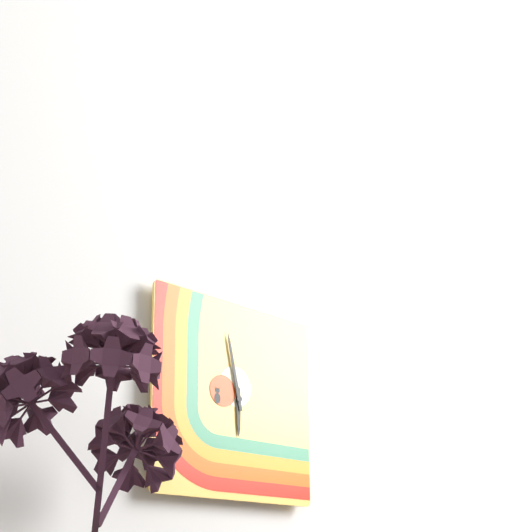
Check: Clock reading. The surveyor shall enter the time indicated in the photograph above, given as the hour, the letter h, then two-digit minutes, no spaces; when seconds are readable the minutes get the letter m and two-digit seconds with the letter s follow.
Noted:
5h58
